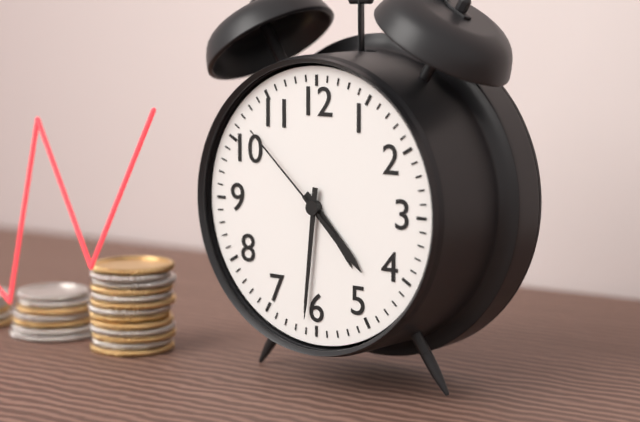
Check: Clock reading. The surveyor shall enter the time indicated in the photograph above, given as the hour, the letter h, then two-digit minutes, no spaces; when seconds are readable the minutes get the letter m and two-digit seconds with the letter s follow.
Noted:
4h31m52s
